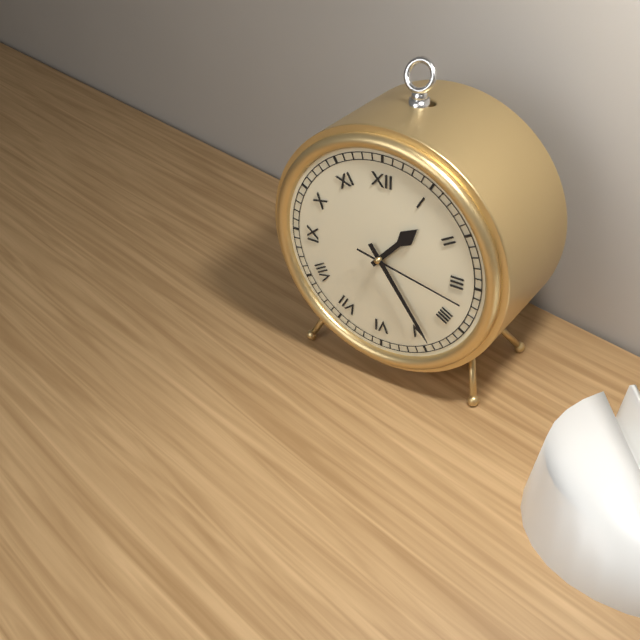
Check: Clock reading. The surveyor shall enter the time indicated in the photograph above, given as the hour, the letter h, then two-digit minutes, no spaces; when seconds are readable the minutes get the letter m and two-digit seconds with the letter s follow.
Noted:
1h24m17s
